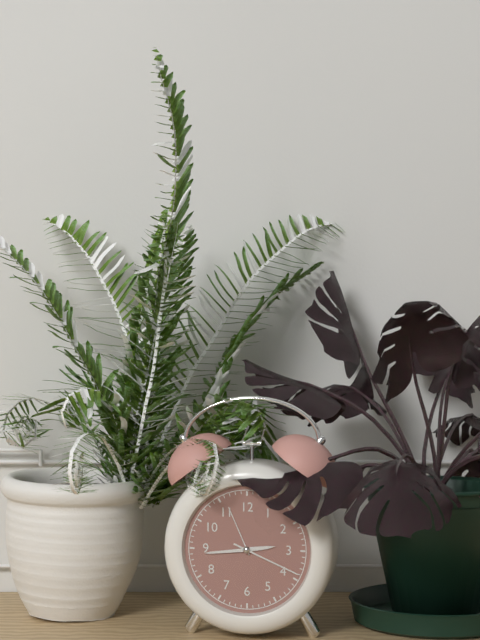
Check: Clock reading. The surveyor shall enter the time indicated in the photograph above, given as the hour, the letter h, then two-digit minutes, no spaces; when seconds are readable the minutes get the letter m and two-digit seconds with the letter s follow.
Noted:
2h44m19s
